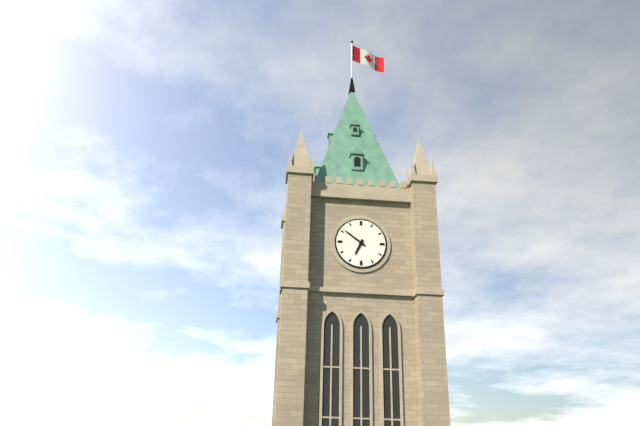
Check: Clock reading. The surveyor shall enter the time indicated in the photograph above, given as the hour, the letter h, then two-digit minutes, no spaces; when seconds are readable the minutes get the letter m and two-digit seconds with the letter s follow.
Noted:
6h51
